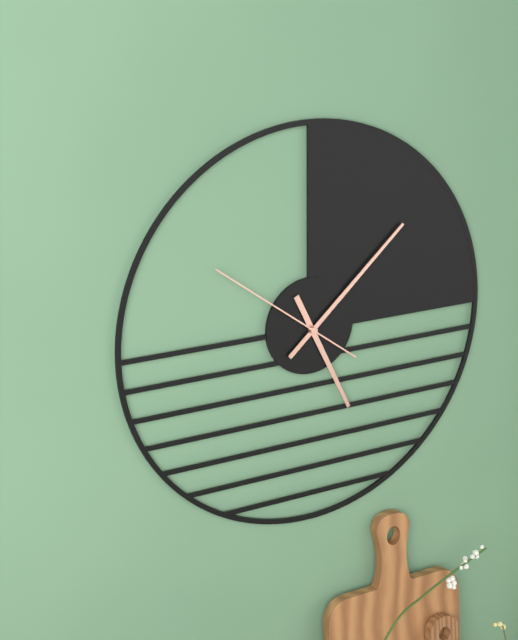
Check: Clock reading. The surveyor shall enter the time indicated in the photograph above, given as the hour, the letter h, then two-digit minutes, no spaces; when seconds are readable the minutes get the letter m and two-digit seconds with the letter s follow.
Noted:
5h08m51s
